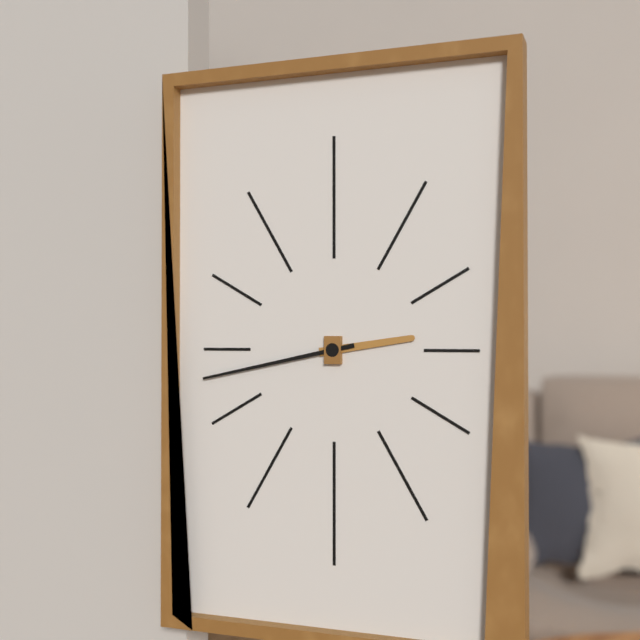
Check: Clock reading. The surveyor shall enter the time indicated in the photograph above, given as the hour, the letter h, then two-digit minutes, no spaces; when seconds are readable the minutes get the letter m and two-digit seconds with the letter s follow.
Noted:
2h43
